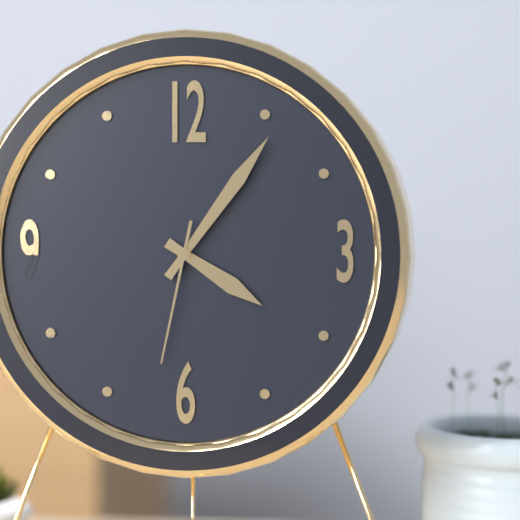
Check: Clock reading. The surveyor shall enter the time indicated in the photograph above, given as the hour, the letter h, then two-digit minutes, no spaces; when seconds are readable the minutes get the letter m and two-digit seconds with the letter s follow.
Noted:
4h06m32s
